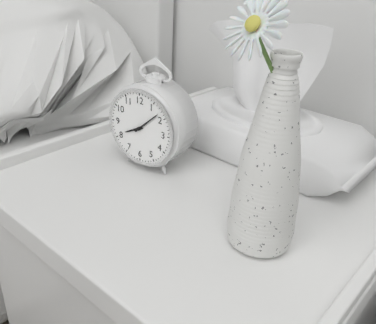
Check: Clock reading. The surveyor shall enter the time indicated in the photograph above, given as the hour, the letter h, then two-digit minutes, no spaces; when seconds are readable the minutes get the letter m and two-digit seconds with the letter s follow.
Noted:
8h08
